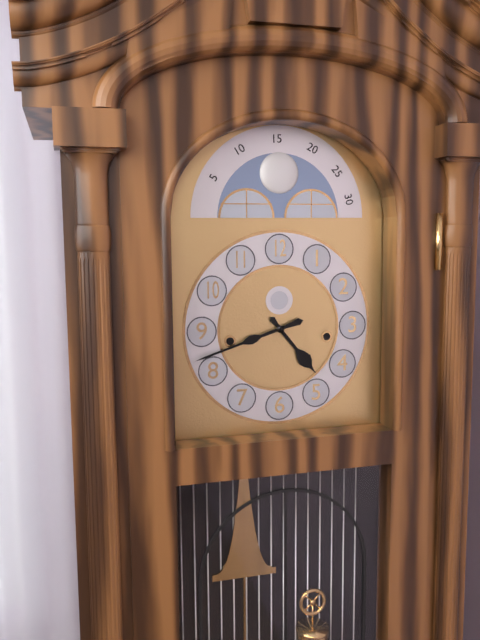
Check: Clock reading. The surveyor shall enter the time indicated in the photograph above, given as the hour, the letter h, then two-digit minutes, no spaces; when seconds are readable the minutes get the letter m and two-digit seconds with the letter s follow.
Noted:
4h42
